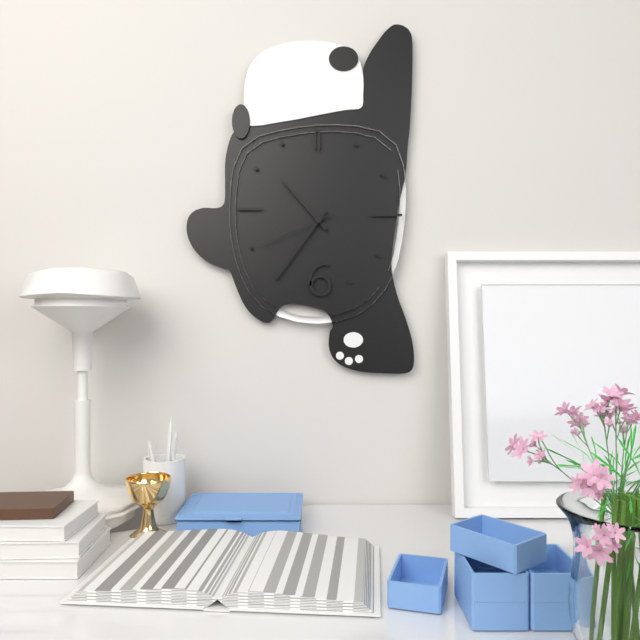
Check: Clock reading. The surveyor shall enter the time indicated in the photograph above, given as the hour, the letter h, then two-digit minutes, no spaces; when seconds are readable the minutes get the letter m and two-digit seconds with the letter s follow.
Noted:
10h36m41s
